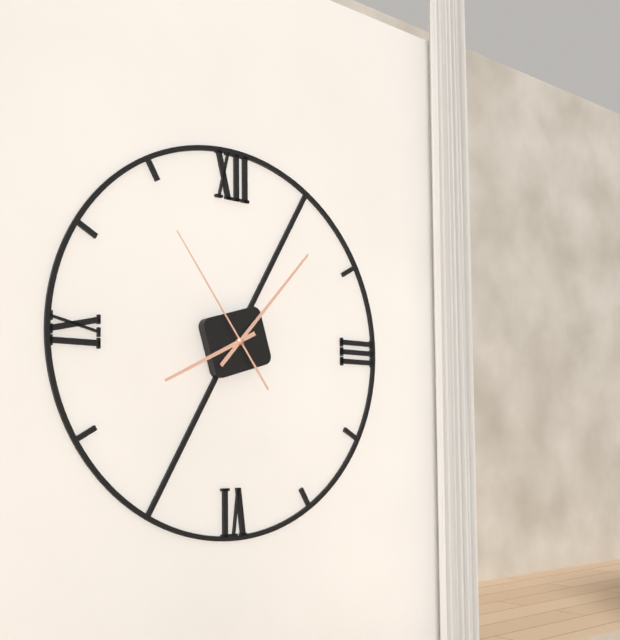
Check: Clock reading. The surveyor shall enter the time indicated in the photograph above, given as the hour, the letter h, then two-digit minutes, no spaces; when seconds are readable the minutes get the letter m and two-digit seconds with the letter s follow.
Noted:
8h07m54s
